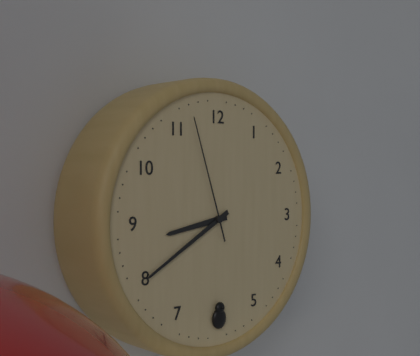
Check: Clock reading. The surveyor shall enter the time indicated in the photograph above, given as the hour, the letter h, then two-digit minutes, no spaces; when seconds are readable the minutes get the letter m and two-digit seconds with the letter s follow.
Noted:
8h40m57s
